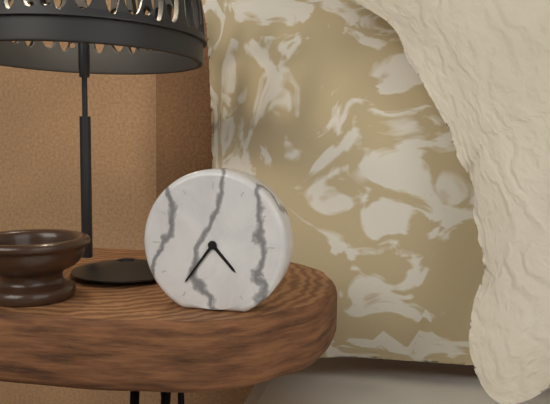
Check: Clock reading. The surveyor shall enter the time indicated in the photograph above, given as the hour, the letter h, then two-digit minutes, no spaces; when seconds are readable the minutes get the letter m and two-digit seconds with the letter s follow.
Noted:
4h36
